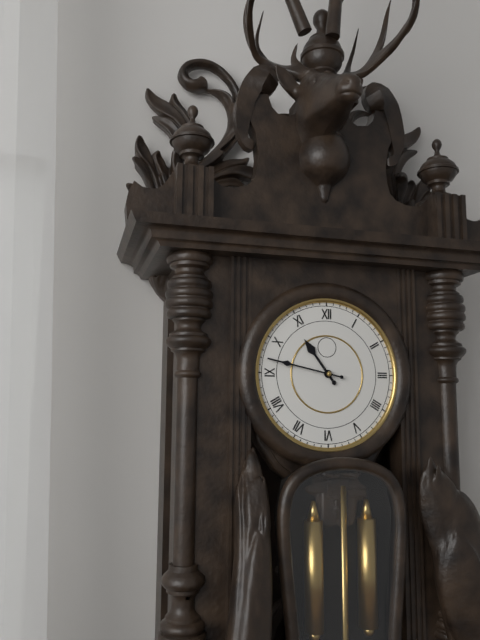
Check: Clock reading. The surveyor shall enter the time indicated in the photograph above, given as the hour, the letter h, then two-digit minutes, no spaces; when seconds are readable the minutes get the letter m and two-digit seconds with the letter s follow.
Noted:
10h47
